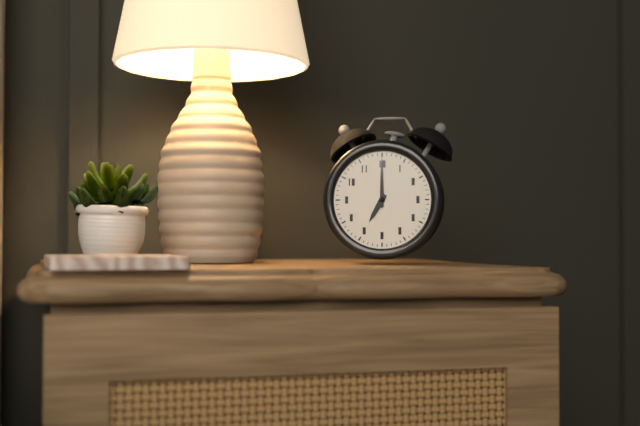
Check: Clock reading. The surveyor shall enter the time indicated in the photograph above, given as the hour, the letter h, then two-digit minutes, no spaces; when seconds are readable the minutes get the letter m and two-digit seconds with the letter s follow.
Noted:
7h00
